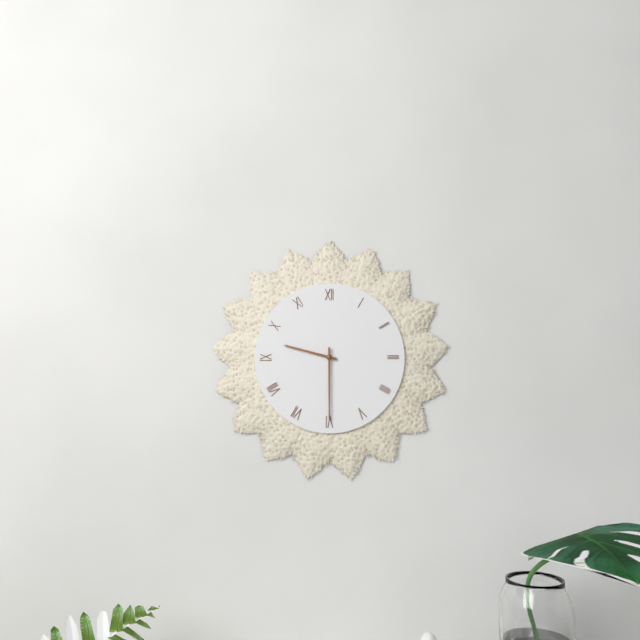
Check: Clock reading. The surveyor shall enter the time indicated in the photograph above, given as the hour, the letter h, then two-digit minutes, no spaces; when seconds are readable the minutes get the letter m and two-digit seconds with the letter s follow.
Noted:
9h30
